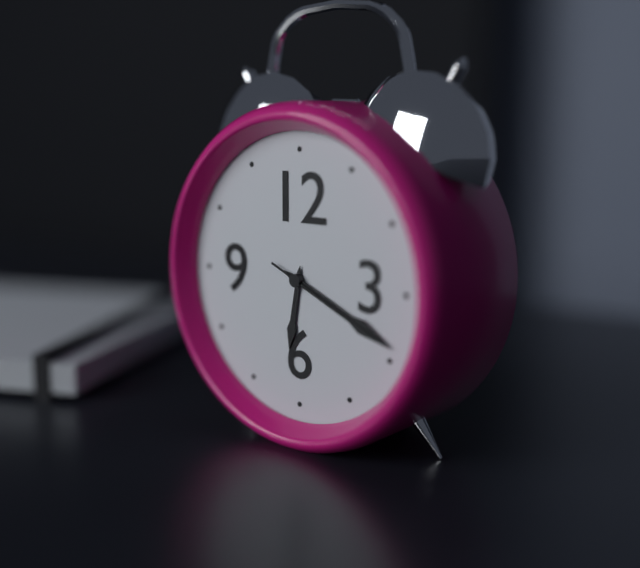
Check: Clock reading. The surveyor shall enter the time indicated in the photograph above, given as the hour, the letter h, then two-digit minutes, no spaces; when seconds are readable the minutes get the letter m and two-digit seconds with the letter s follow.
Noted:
6h19m19s
